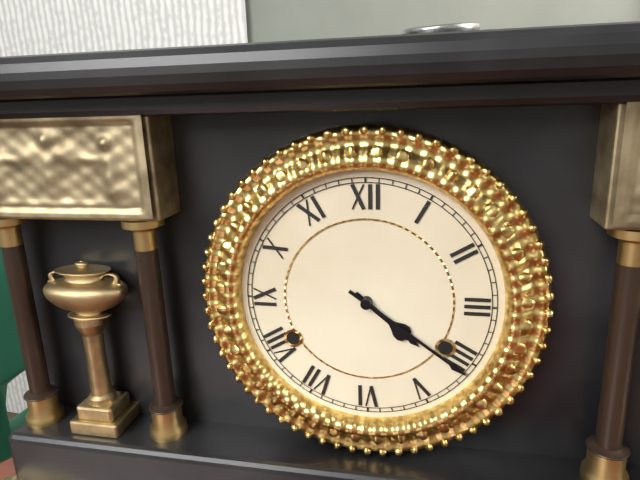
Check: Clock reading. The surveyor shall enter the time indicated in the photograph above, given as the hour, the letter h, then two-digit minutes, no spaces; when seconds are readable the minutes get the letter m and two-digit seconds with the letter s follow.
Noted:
4h21
